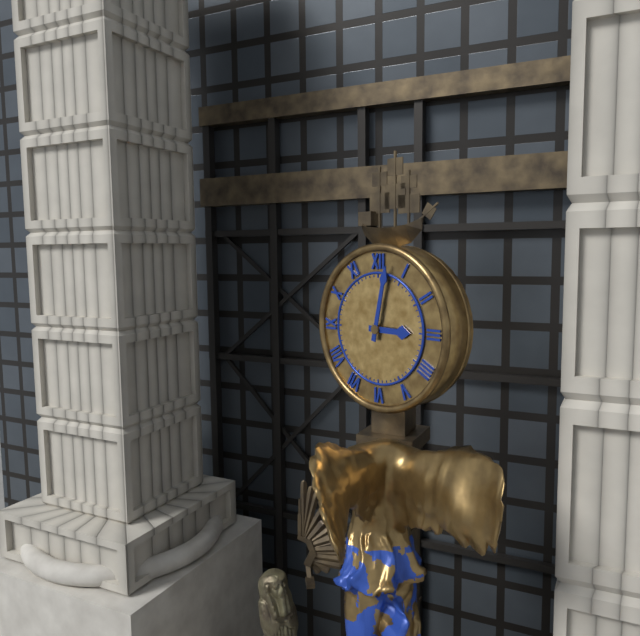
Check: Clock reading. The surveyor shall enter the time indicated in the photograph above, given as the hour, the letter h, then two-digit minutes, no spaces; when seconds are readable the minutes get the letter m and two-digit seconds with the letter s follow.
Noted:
3h02
